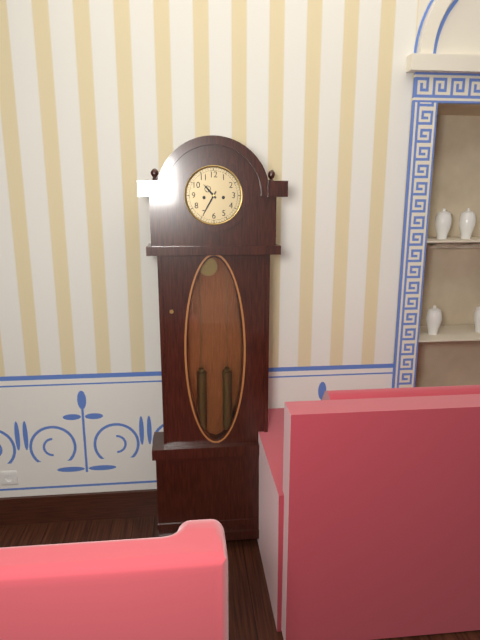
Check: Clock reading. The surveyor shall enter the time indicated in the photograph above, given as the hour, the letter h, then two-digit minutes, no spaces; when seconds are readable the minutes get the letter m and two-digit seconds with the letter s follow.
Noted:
10h35
